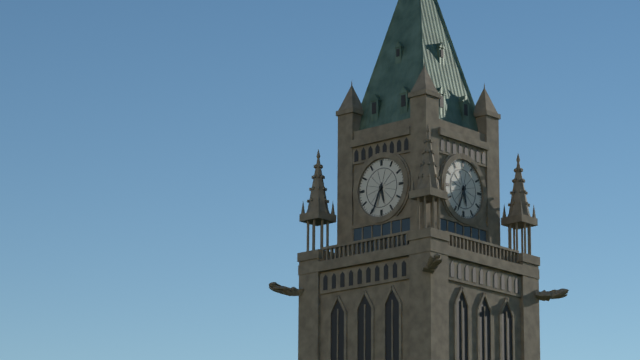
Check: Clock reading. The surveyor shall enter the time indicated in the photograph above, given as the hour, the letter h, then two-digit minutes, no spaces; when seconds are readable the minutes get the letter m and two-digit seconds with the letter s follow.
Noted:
5h34
